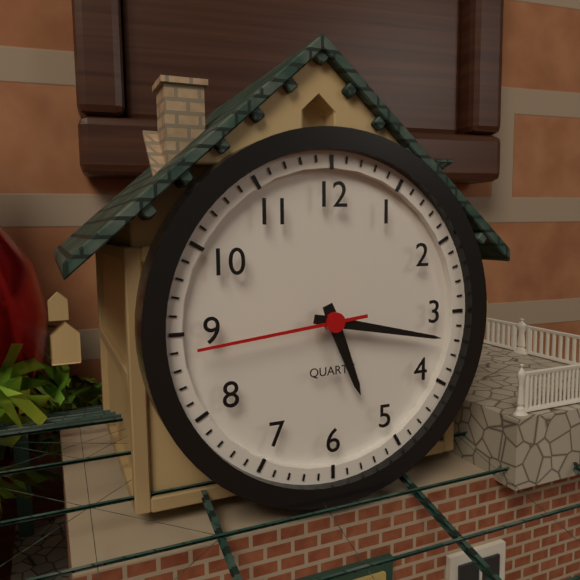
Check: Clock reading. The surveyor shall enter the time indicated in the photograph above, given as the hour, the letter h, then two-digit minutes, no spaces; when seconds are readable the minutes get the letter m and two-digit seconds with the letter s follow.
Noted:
5h17m44s
